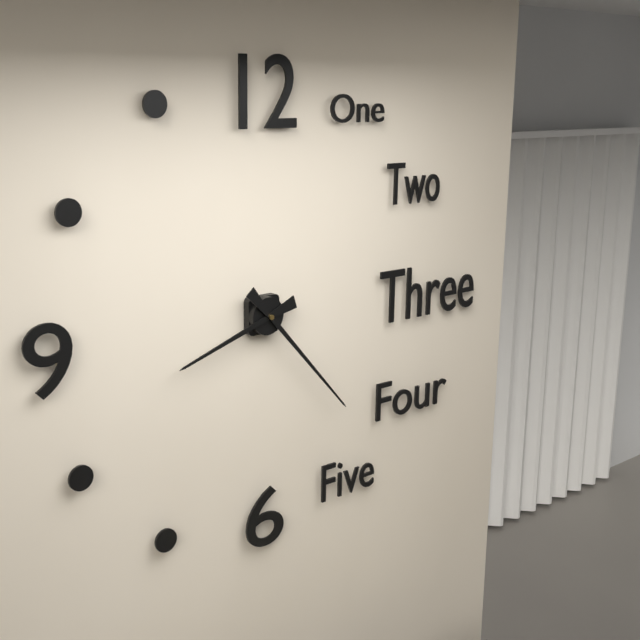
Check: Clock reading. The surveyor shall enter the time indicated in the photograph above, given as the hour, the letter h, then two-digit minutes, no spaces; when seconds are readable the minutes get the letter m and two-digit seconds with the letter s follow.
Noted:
8h23
